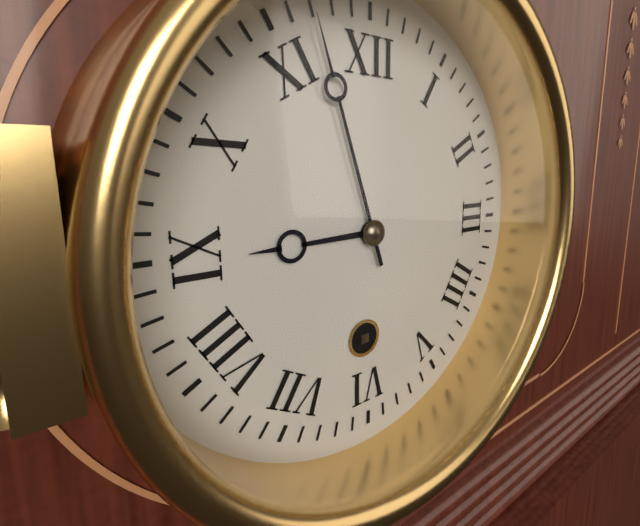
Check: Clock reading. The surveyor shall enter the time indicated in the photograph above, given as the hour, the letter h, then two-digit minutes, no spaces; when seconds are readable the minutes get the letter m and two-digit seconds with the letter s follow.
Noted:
8h57
